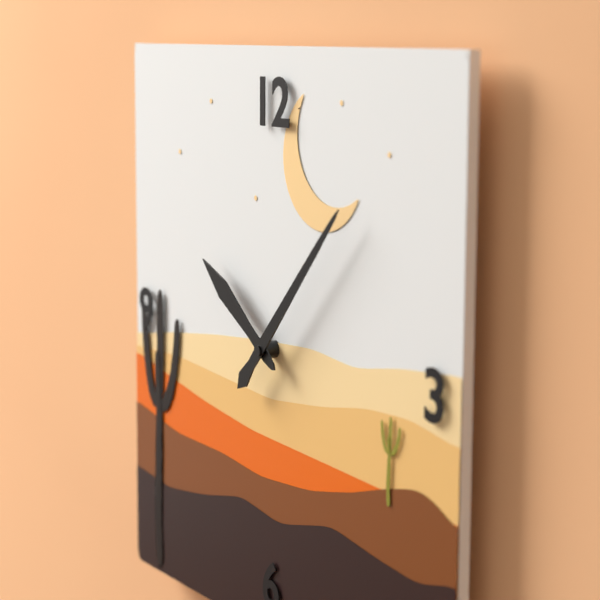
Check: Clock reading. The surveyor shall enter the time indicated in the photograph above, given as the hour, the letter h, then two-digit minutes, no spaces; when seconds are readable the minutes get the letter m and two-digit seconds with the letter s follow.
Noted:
10h07
